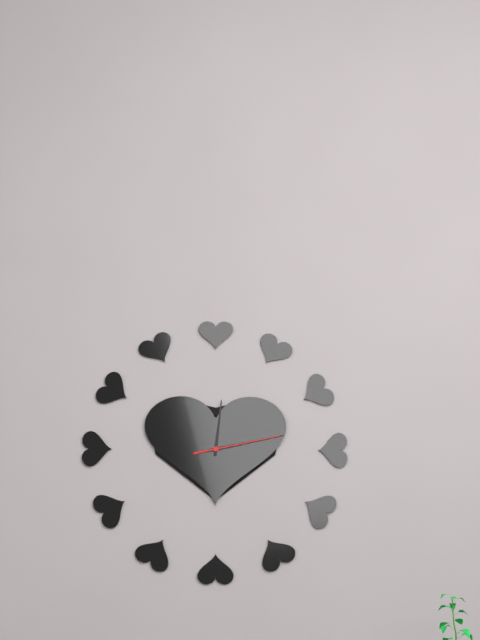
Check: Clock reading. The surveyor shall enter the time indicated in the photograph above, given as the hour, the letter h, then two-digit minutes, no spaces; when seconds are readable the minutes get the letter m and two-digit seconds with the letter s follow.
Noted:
12h13m13s
